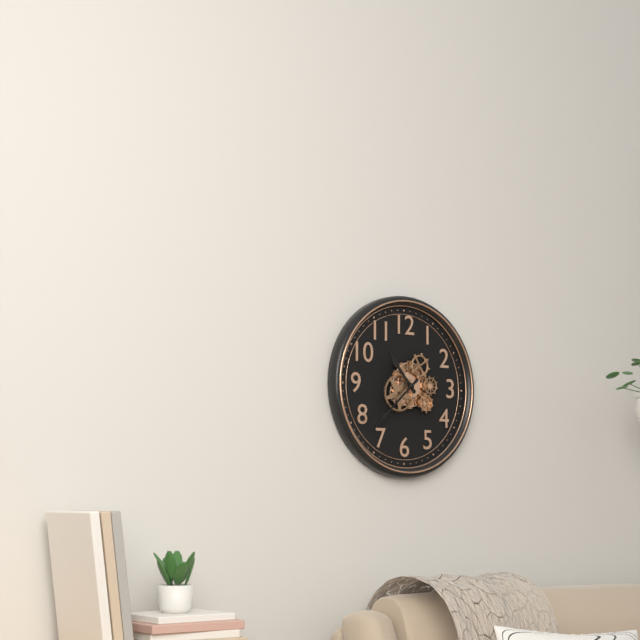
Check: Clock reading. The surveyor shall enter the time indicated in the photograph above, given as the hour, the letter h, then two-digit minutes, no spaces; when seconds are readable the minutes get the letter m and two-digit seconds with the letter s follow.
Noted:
10h38
